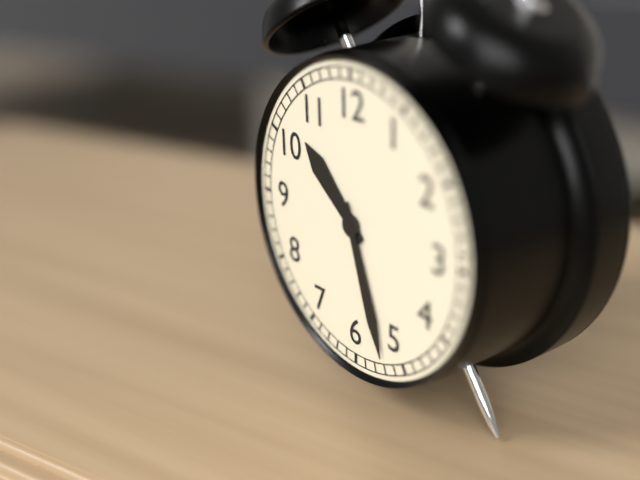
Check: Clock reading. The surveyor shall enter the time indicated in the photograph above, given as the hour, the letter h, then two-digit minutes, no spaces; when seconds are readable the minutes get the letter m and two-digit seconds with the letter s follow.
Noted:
10h27
